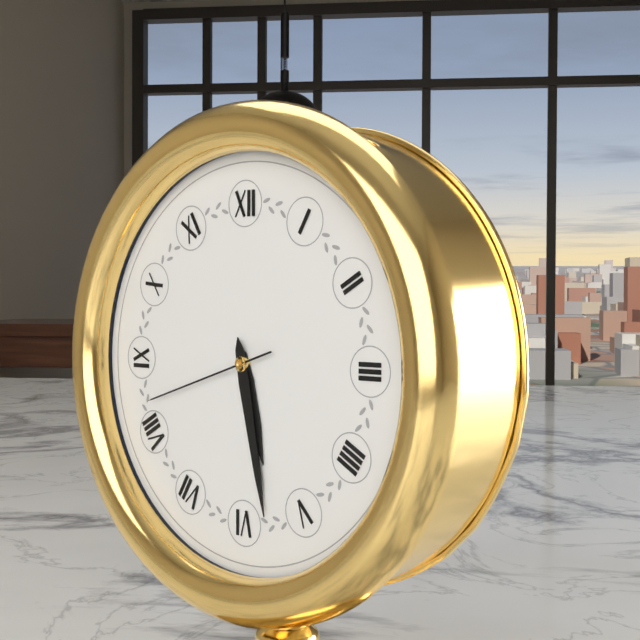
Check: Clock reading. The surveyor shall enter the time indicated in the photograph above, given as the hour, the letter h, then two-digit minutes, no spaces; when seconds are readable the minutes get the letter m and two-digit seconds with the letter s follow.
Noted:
5h28m42s
